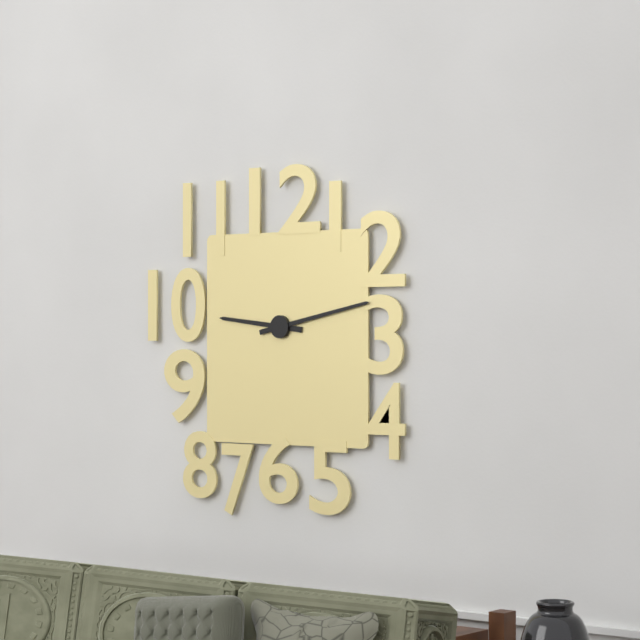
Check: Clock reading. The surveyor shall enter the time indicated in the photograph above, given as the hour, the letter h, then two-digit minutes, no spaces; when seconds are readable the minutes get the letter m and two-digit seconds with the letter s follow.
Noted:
9h13
